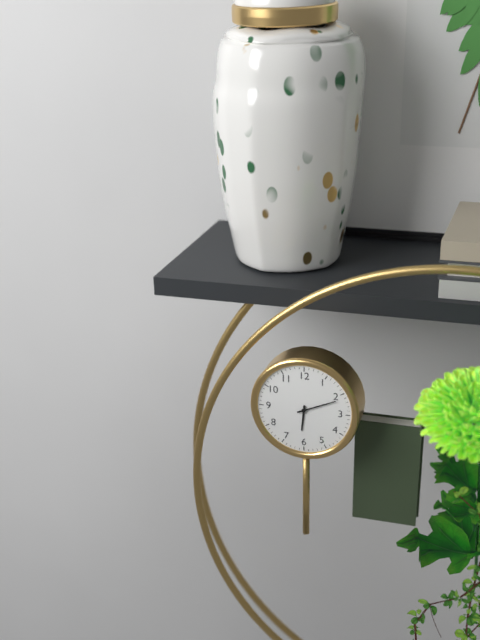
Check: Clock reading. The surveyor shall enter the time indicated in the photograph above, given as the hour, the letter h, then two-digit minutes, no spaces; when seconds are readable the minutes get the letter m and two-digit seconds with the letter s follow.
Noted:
6h11
